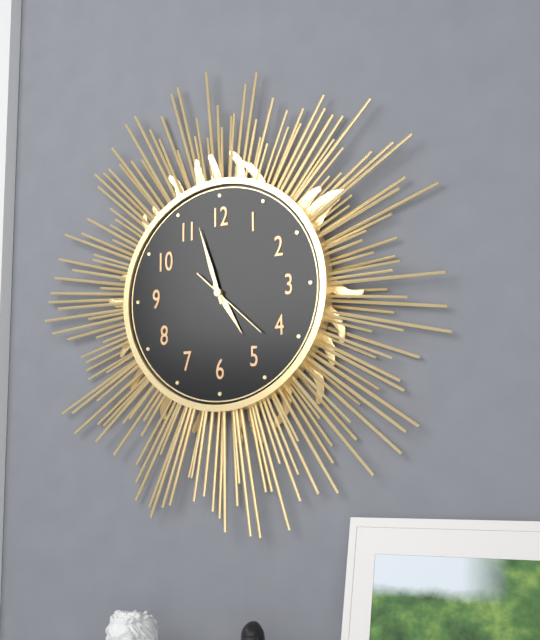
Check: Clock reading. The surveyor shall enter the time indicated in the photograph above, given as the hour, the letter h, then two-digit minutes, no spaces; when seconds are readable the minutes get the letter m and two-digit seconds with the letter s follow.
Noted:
4h57m22s
